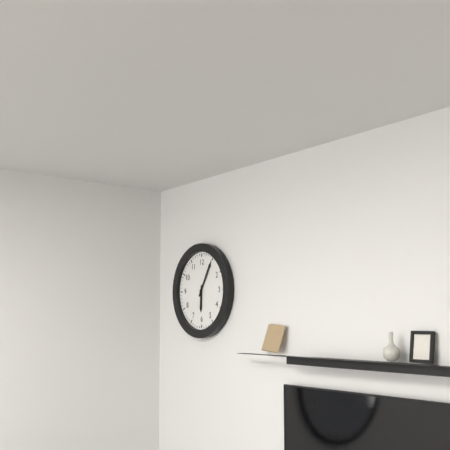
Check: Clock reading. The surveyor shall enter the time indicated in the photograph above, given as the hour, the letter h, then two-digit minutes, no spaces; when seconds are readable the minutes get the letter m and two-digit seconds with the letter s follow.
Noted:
6h05
